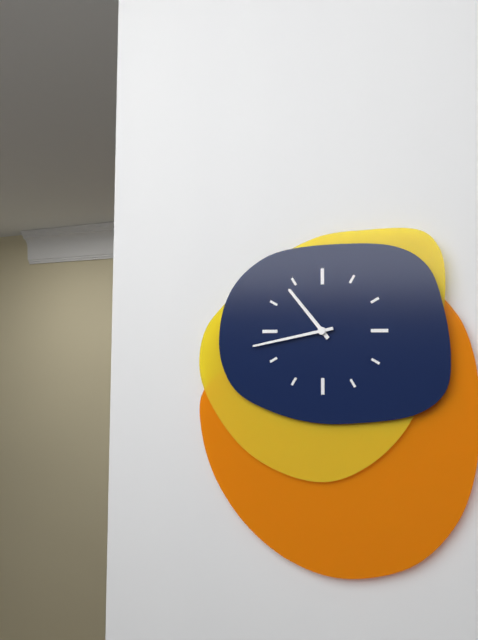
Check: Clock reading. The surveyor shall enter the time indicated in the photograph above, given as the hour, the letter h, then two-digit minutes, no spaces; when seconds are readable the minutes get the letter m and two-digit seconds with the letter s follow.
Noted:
10h43
